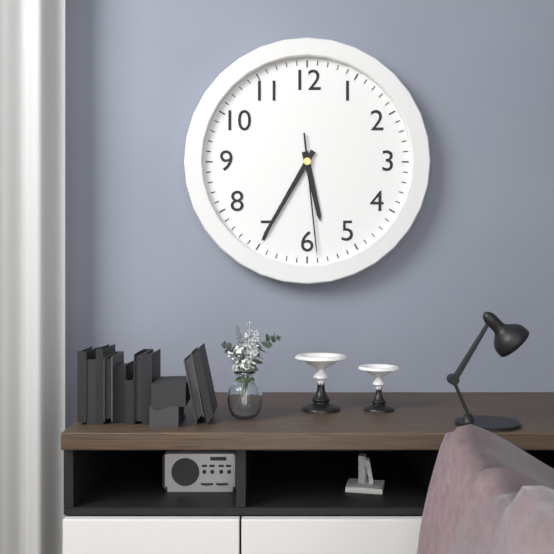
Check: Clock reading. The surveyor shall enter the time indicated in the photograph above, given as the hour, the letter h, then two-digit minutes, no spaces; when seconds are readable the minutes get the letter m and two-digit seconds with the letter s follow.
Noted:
5h35m29s
